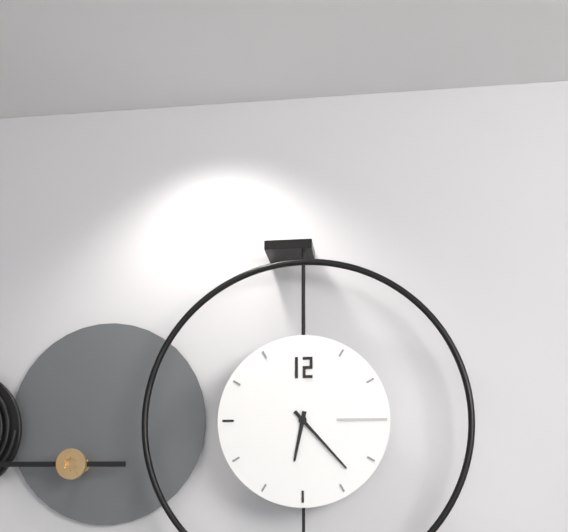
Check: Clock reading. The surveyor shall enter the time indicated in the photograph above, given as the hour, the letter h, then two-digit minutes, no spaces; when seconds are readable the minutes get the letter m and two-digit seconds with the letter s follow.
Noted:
6h23
